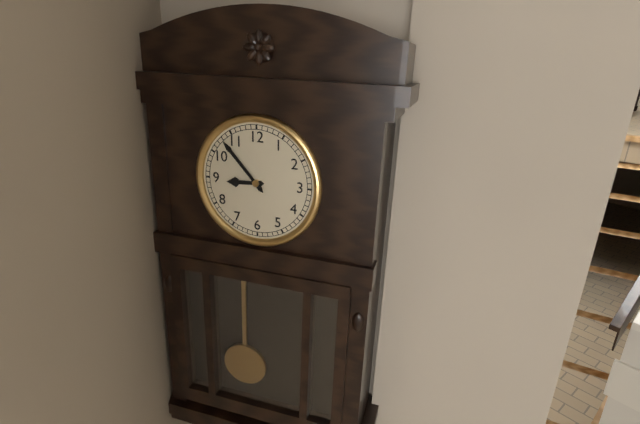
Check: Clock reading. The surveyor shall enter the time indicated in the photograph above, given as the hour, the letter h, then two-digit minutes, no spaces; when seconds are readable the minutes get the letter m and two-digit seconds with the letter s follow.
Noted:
8h53
